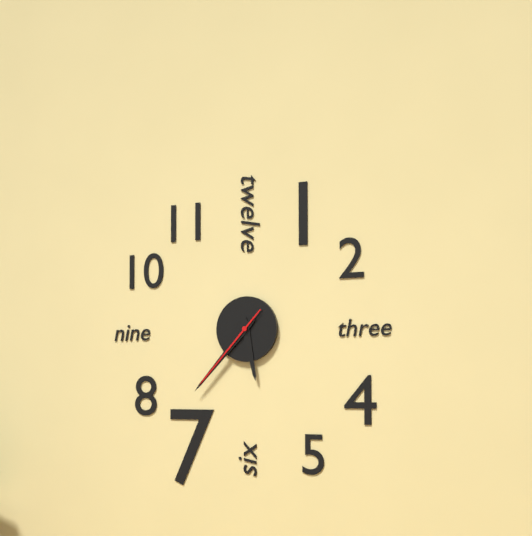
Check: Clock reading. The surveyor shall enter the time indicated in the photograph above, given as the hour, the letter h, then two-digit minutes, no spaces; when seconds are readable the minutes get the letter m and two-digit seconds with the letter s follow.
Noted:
5h37m37s
